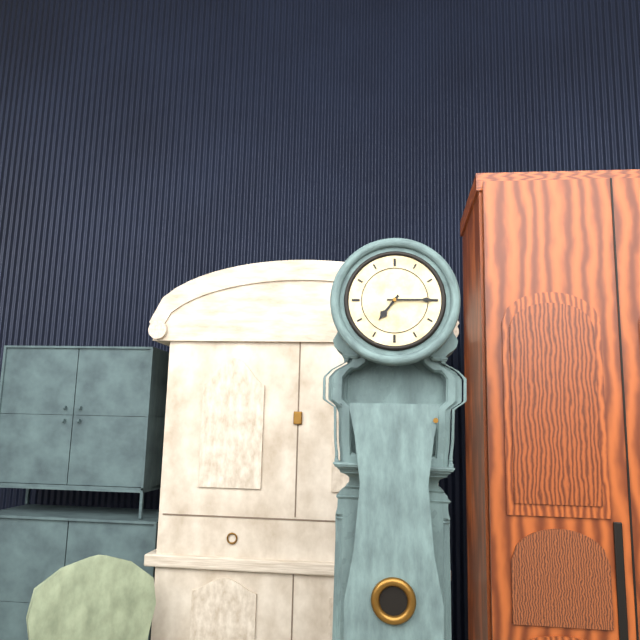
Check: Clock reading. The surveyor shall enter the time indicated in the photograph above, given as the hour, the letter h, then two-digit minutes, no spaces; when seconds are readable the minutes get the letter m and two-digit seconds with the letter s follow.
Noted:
7h15
